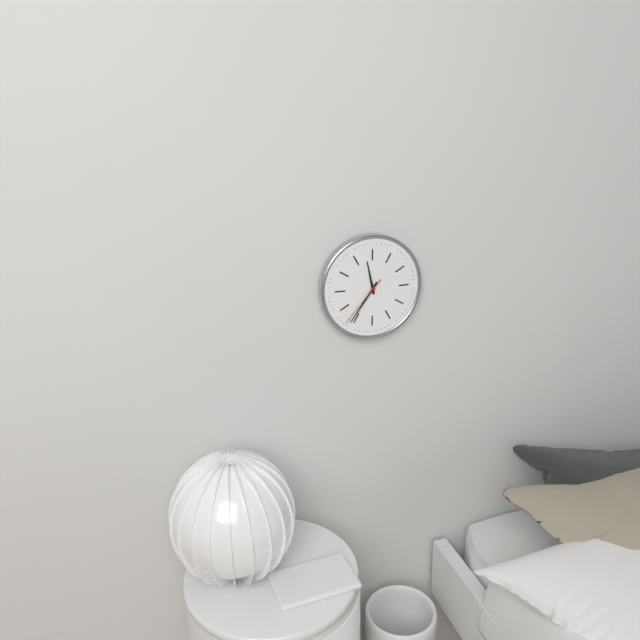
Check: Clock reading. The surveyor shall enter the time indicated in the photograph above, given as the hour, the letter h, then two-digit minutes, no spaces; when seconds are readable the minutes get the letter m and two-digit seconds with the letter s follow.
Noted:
11h36m37s
